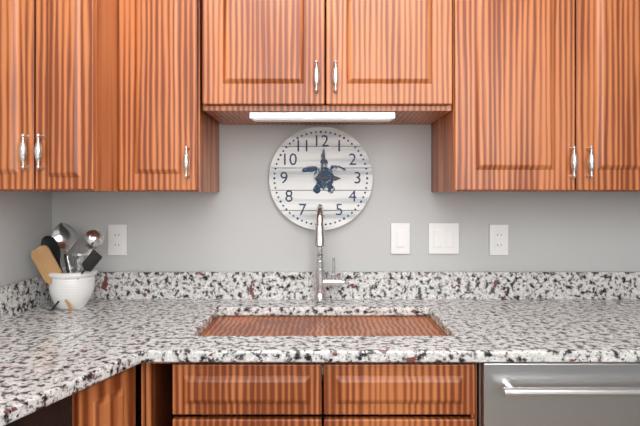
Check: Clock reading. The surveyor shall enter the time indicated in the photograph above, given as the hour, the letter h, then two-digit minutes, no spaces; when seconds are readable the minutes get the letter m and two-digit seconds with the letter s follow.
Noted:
3h01
